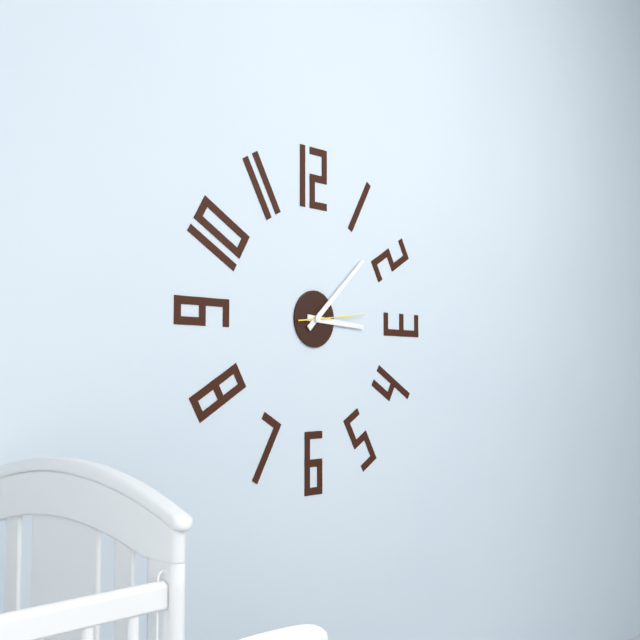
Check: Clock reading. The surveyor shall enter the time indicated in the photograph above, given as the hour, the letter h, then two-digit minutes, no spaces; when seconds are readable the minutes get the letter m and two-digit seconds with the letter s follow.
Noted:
3h08m14s
